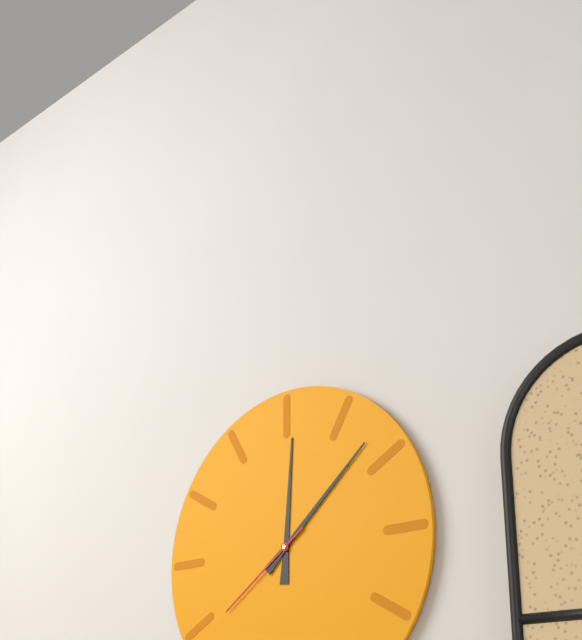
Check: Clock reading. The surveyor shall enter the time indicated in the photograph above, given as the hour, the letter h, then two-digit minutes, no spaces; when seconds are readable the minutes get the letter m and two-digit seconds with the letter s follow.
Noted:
12h08m39s
